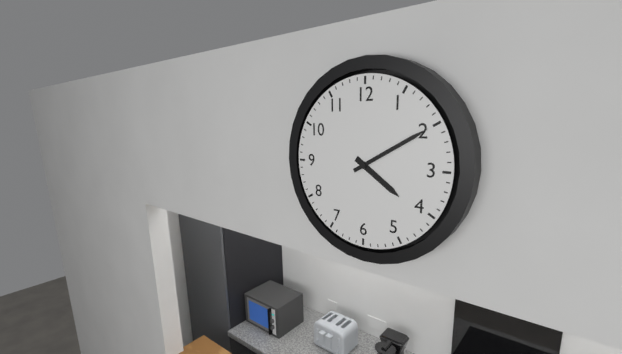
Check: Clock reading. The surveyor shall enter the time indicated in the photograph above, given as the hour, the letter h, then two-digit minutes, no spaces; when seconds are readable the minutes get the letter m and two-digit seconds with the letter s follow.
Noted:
4h10
